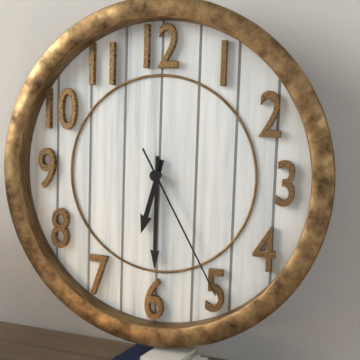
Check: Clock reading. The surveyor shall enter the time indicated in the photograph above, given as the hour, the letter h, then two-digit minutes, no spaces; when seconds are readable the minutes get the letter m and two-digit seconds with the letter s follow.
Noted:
6h30m25s
